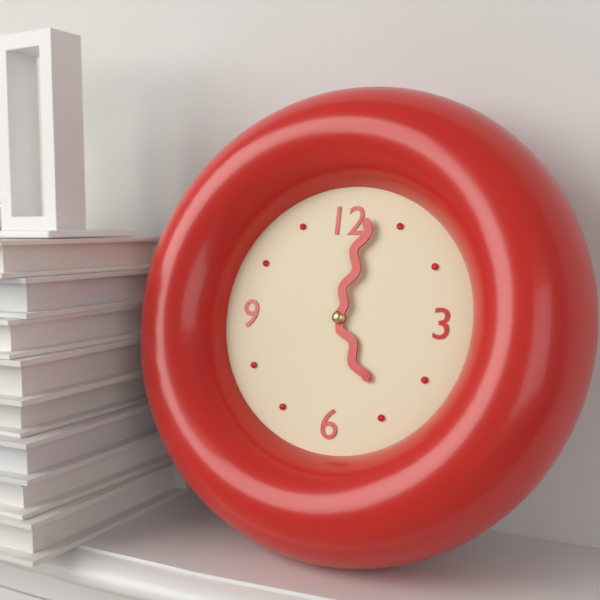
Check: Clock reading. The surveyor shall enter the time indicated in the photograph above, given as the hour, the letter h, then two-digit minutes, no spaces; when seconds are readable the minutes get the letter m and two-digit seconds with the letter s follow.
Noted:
5h02
